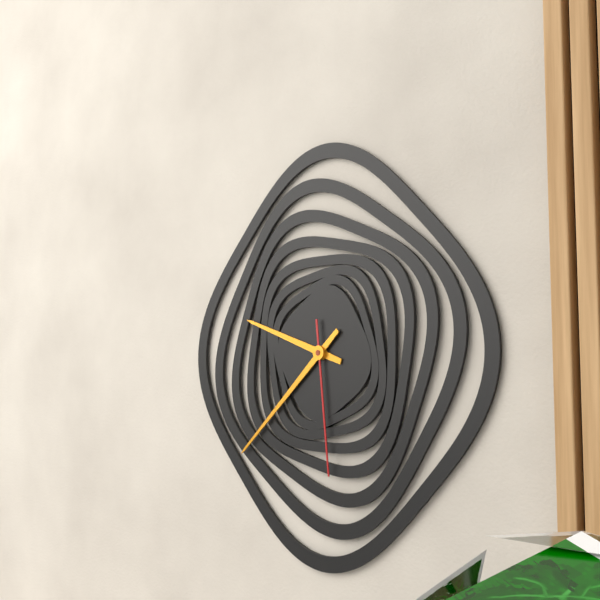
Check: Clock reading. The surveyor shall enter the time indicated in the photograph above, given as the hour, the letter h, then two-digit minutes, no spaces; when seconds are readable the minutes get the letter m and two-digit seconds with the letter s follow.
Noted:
9h38m29s
